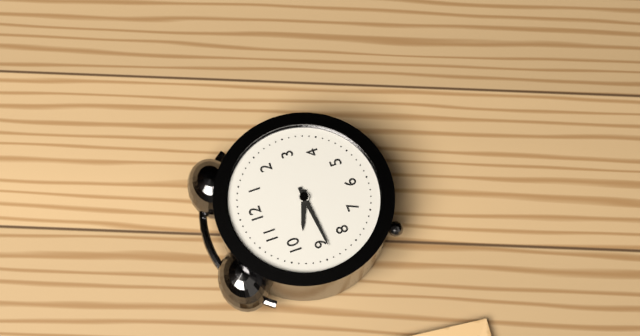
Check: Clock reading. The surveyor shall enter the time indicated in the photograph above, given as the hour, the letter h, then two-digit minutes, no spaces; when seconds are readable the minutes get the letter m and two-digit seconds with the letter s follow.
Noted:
9h44
